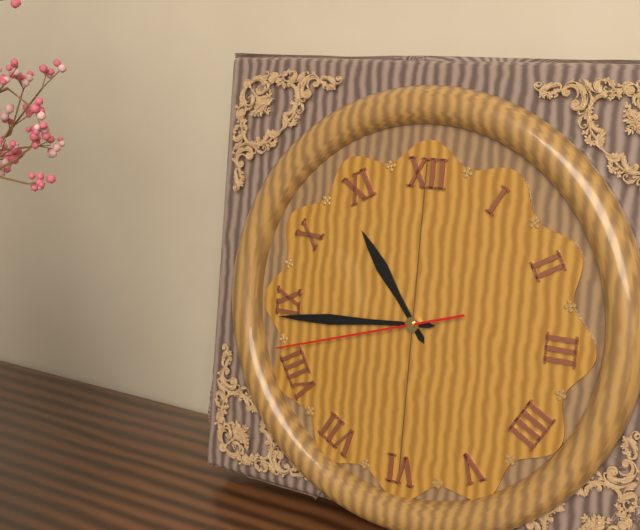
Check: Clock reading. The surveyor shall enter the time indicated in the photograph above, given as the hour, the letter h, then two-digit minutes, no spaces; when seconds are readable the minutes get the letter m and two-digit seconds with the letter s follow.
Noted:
10h44m42s
